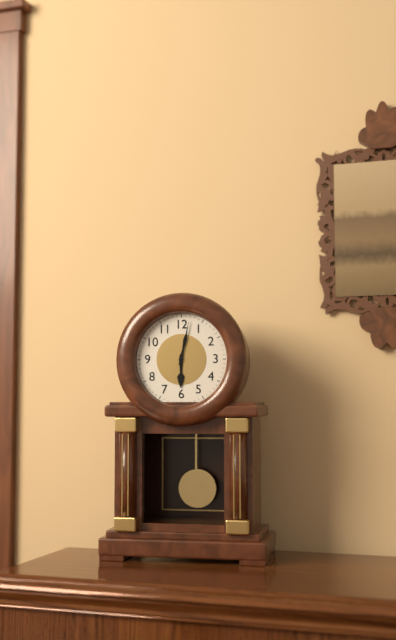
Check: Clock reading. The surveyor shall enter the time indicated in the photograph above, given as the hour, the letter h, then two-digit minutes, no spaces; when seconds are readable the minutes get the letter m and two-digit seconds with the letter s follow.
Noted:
6h02
